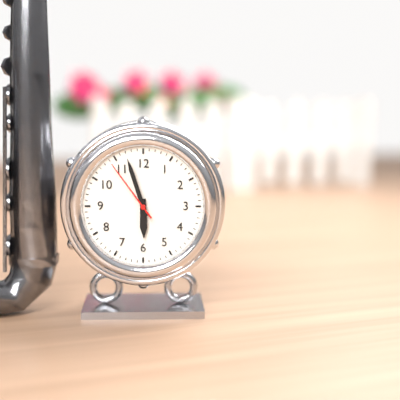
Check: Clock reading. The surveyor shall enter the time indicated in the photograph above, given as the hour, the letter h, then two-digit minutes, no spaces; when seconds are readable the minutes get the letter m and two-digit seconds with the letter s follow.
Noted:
5h57m54s
